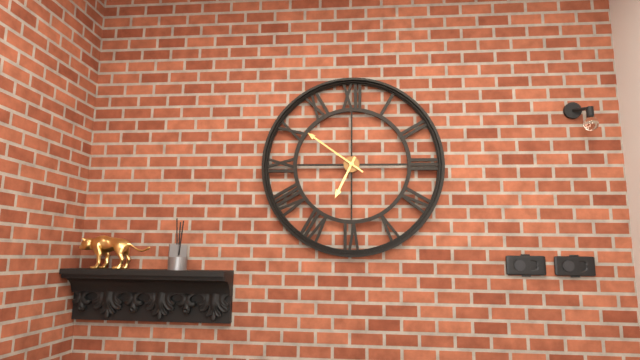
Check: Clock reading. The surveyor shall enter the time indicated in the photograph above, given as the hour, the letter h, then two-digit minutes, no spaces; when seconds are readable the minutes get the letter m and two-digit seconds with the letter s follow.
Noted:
6h51
